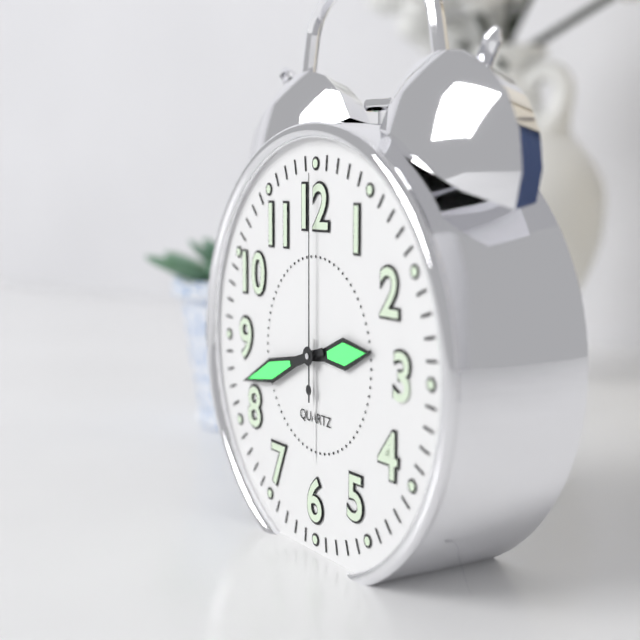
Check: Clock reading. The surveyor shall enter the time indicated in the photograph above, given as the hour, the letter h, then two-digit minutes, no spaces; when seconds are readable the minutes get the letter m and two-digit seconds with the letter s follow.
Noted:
2h42m00s
